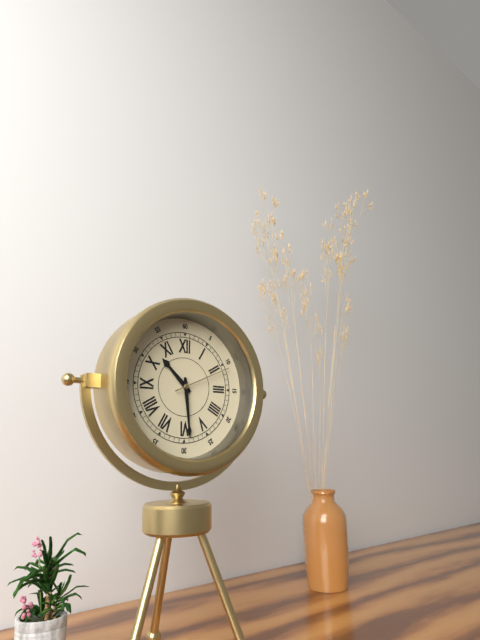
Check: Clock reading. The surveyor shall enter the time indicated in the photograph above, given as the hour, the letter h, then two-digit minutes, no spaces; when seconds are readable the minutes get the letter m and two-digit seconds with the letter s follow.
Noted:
10h29m11s
